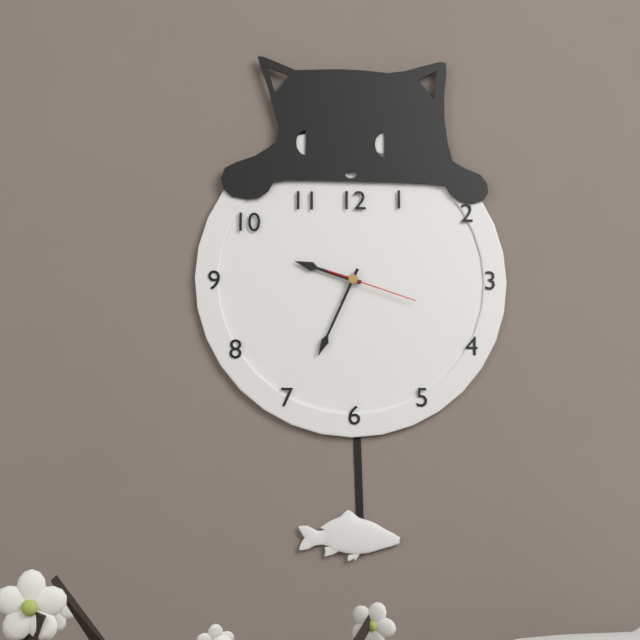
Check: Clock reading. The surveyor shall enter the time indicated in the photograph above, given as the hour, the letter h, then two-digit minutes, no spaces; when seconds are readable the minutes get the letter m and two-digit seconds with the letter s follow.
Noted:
9h34m18s
